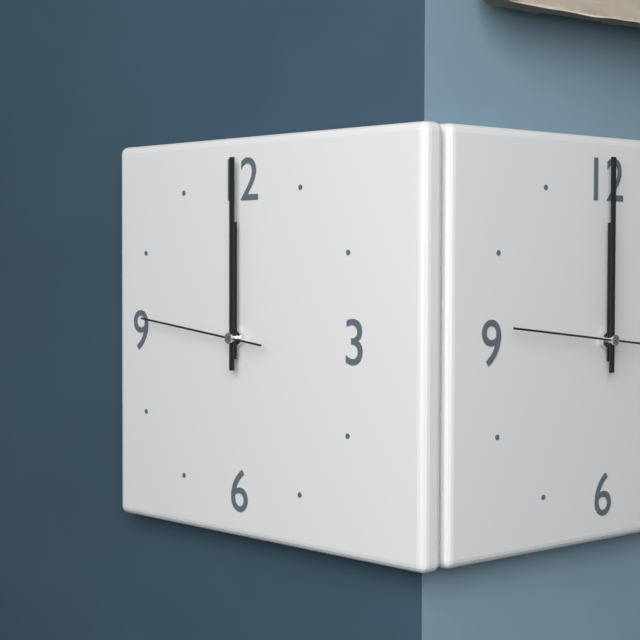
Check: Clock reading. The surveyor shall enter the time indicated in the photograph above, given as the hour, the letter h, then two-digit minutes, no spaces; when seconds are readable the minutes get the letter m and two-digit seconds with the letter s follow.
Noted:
12h00m46s
